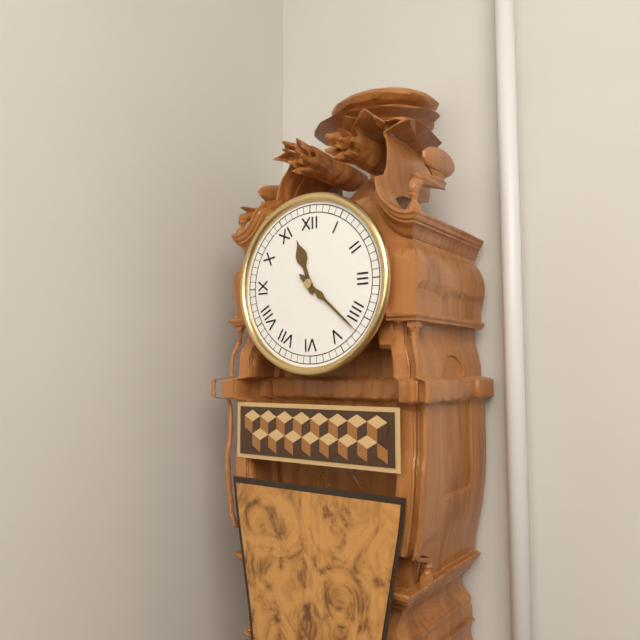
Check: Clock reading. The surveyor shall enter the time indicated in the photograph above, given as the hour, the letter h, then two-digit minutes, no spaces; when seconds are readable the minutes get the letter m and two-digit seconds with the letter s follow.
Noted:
11h22
